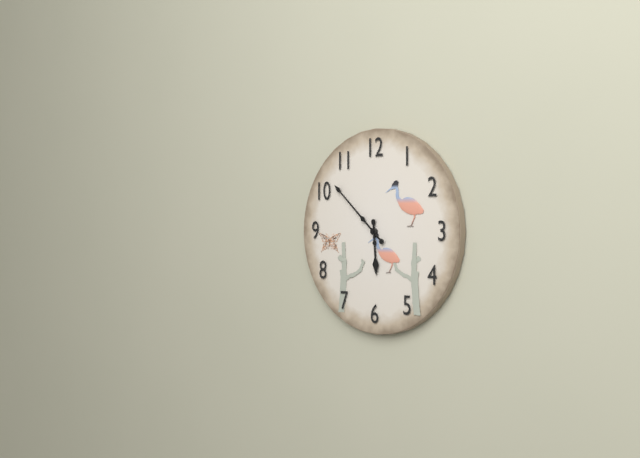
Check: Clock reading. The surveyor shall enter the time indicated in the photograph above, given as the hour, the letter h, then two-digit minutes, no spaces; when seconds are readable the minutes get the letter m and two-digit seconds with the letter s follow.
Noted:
5h52
